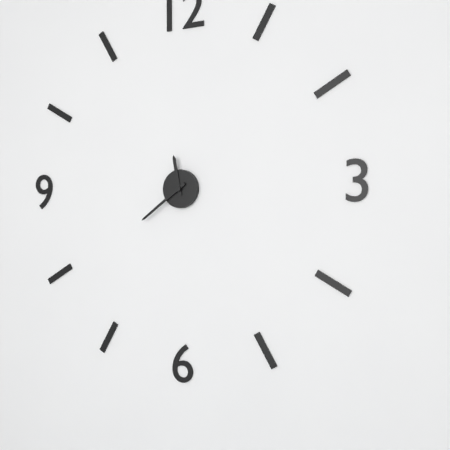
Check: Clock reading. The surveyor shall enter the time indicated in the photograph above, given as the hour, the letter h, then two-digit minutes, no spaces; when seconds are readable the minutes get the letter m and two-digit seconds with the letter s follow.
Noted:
11h39
